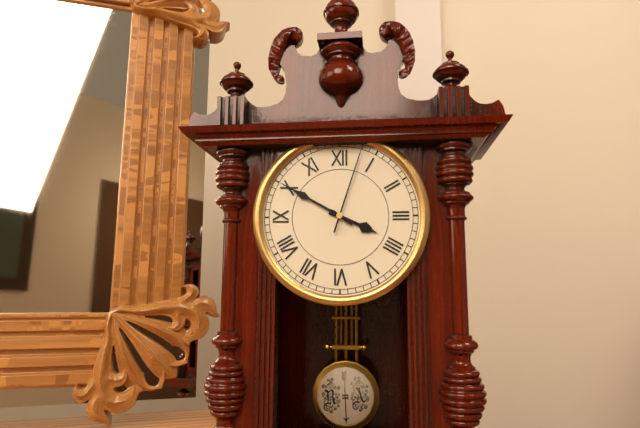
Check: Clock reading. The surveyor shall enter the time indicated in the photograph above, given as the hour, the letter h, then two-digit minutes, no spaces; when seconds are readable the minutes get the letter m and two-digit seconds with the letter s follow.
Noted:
3h50m03s
